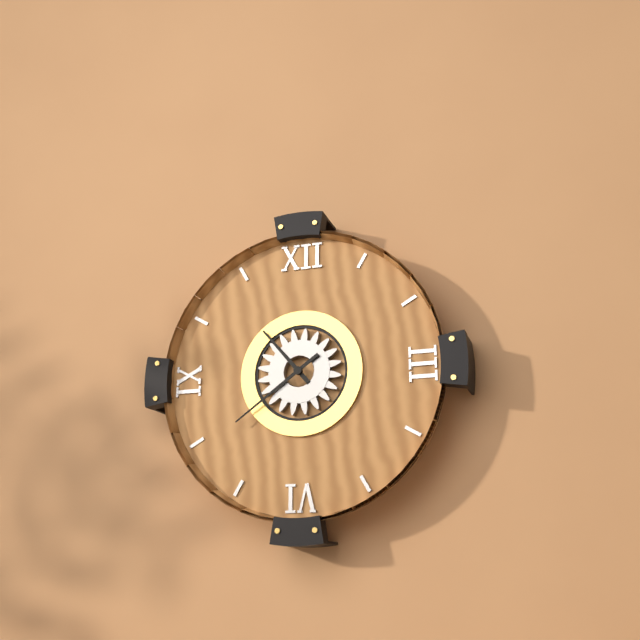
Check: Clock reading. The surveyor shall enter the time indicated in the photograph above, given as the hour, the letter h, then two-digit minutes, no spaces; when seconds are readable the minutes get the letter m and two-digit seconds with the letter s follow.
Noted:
10h39
